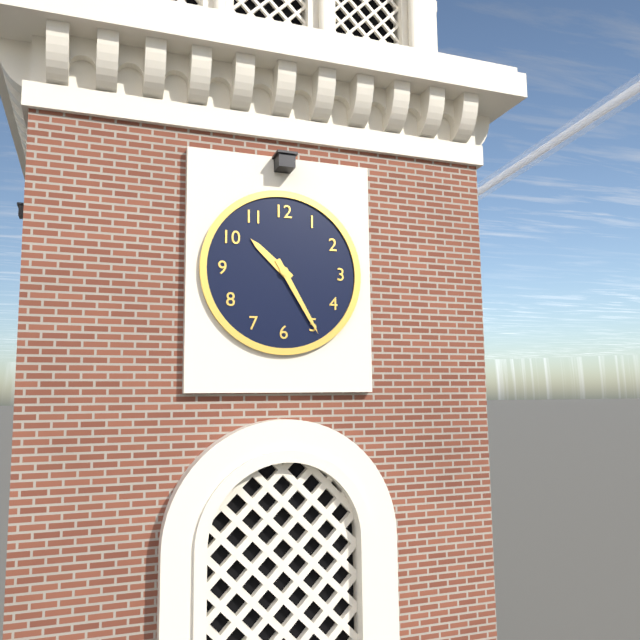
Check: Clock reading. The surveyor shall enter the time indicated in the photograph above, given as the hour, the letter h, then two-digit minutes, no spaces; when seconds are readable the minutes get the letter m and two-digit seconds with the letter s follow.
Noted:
10h25
